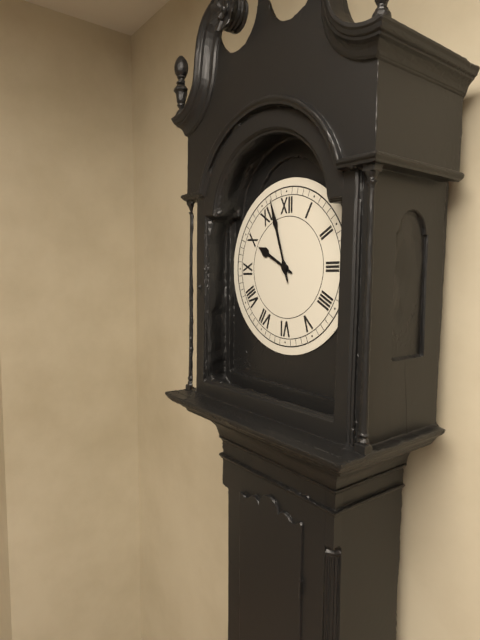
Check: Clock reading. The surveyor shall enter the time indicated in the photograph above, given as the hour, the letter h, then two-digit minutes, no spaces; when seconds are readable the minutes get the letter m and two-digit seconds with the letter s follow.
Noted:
9h57
